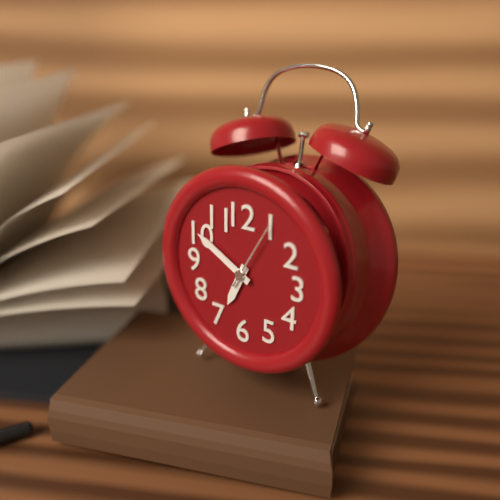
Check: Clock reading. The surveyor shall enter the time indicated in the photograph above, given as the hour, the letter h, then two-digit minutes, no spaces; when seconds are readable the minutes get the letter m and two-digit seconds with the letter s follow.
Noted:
6h50m05s
